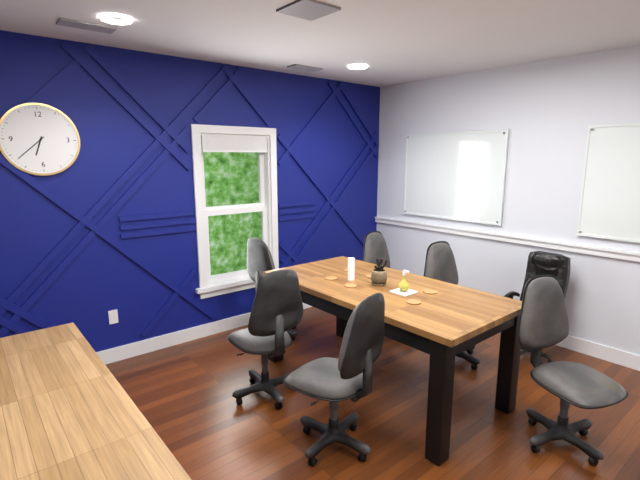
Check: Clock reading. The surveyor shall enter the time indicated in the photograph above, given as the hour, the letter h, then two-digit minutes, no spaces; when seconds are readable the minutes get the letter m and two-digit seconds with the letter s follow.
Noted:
6h38
